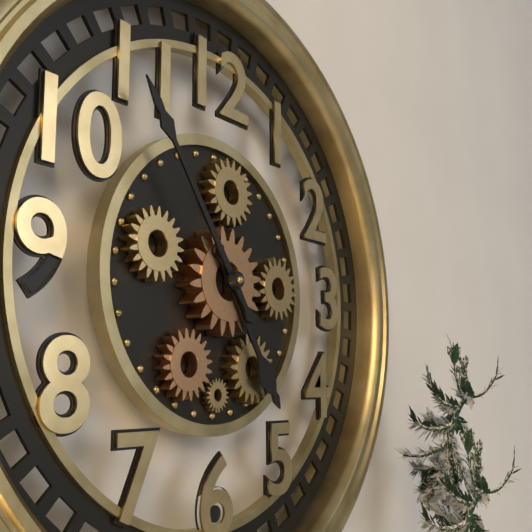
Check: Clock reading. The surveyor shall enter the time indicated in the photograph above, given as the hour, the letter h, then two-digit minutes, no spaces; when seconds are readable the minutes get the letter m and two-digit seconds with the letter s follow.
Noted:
4h54
